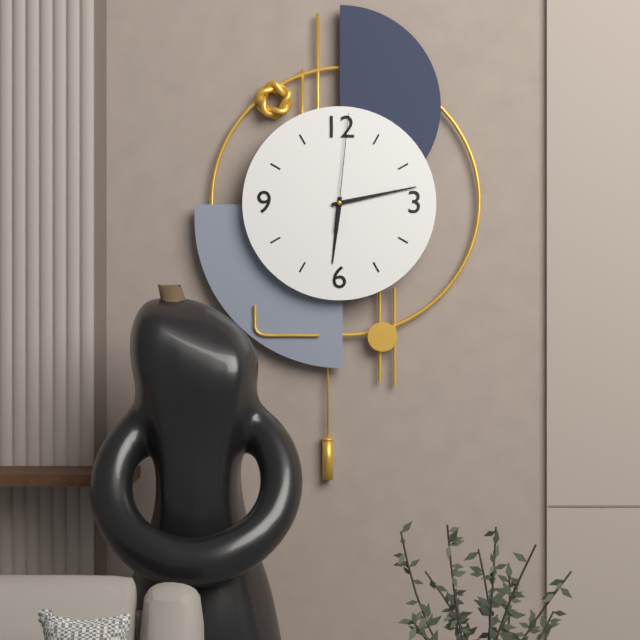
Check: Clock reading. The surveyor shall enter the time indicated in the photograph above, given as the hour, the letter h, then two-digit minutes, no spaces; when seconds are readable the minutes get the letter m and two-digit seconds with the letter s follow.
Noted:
6h13m01s
